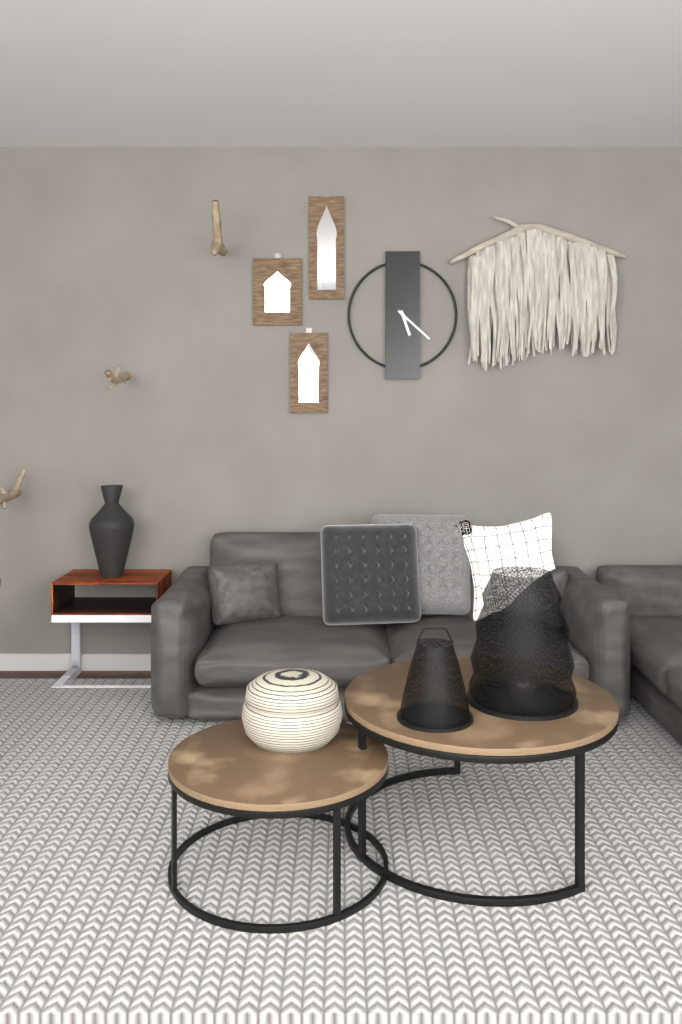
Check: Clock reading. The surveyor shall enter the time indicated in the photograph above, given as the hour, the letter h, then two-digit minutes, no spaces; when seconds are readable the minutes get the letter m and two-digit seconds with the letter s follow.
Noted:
5h22
